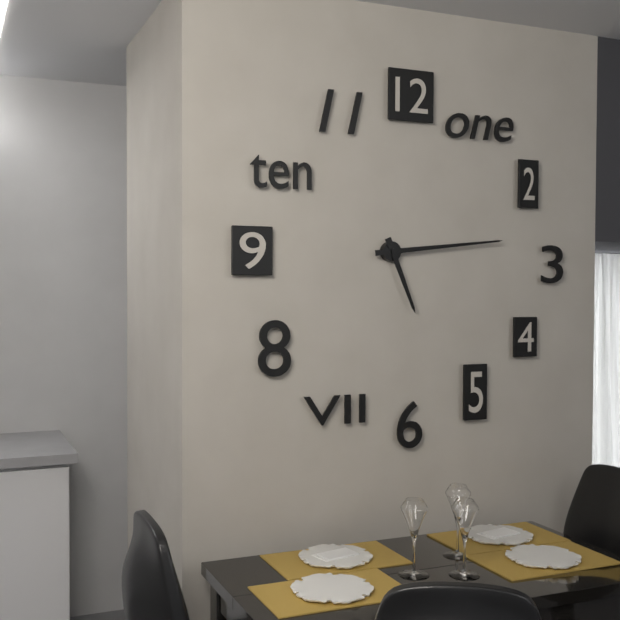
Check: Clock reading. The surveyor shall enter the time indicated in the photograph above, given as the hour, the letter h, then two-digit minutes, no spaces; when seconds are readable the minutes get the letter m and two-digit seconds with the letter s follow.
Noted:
5h14
